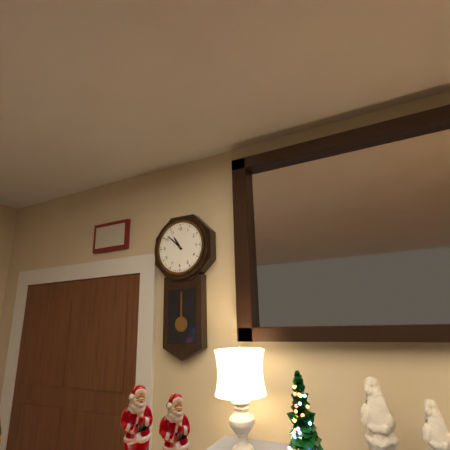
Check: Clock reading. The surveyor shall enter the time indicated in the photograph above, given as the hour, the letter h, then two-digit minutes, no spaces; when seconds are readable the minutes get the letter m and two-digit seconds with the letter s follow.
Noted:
10h52
